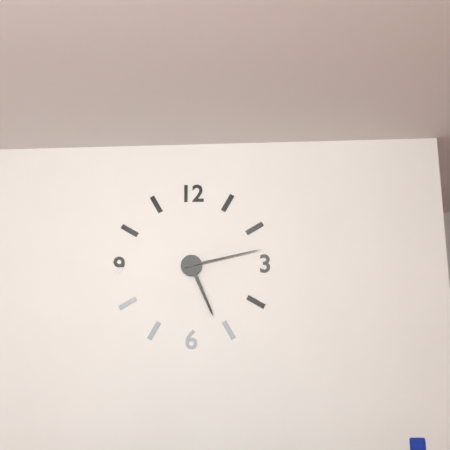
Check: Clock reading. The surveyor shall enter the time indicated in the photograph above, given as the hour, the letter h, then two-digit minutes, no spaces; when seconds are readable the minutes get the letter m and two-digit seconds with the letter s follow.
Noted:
5h13
